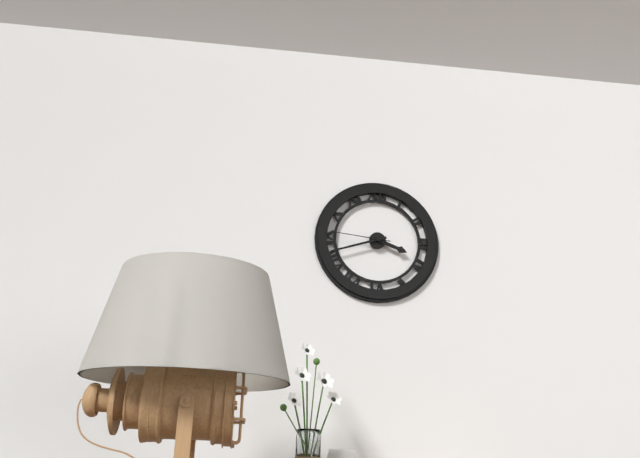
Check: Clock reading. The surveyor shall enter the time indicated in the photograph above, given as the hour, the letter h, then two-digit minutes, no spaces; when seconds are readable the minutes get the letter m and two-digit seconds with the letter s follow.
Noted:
3h42m46s
